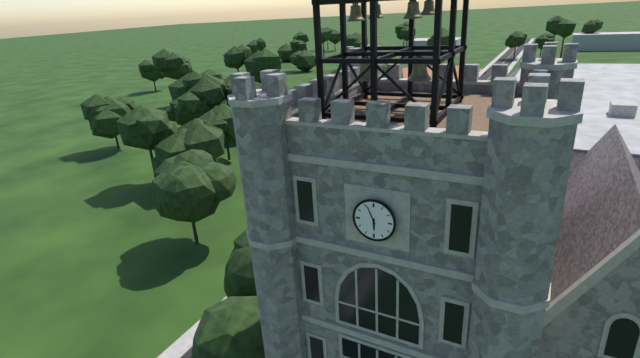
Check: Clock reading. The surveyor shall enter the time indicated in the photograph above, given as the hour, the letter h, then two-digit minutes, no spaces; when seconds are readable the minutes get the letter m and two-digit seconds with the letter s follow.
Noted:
5h56
